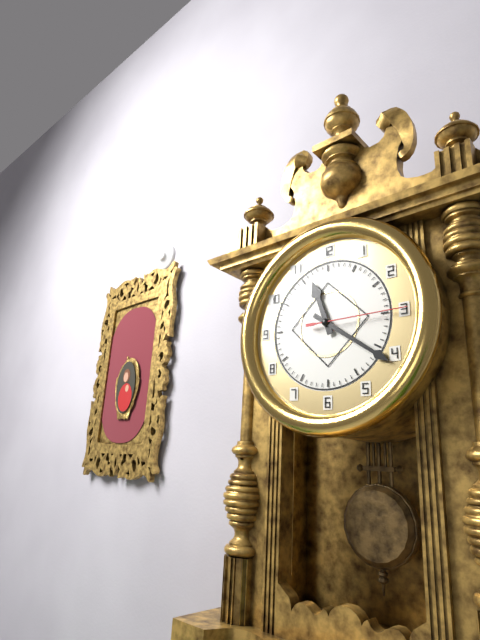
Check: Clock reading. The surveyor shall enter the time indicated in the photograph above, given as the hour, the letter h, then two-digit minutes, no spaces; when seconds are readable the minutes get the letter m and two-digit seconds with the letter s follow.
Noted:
11h21m15s
